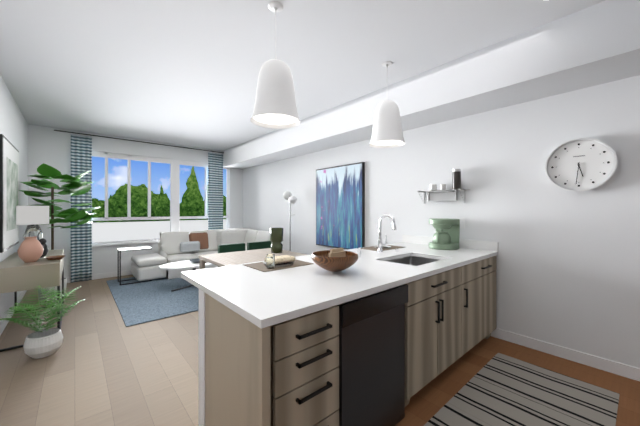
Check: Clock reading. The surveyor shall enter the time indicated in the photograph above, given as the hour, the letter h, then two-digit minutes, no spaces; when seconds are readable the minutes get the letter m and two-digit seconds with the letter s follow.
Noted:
5h31
